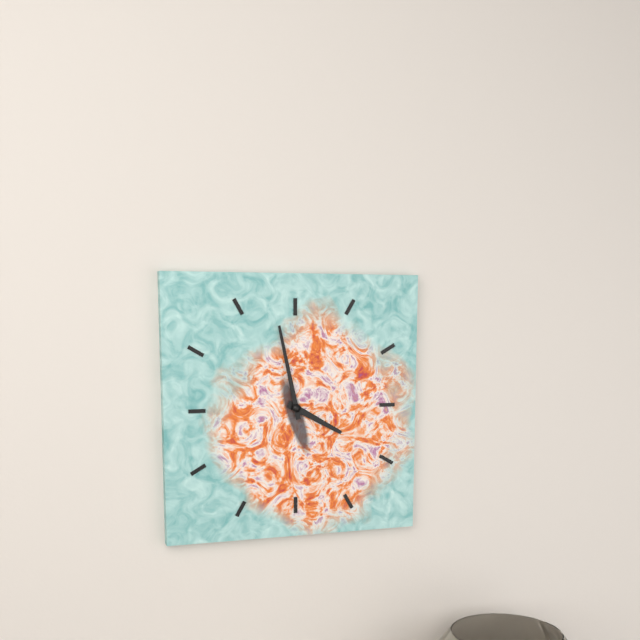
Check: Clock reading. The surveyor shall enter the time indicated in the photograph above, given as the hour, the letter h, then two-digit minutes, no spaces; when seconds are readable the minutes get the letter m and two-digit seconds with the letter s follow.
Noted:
3h58
